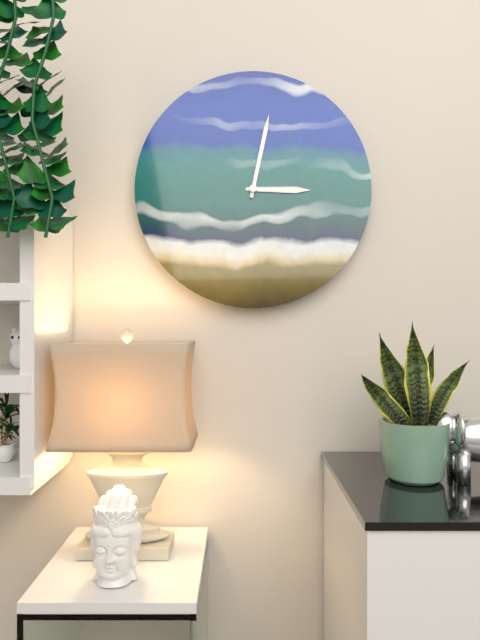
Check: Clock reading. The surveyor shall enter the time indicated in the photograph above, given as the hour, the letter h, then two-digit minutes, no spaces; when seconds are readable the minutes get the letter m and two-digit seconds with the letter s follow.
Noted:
3h02
